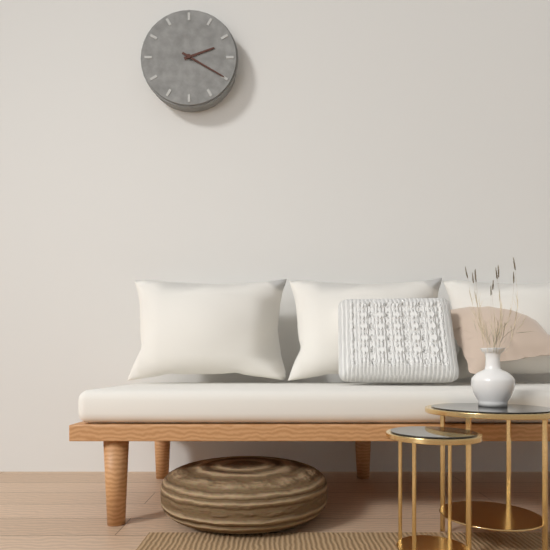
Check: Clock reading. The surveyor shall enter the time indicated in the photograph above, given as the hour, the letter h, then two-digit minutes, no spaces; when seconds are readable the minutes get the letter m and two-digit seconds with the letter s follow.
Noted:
2h20
